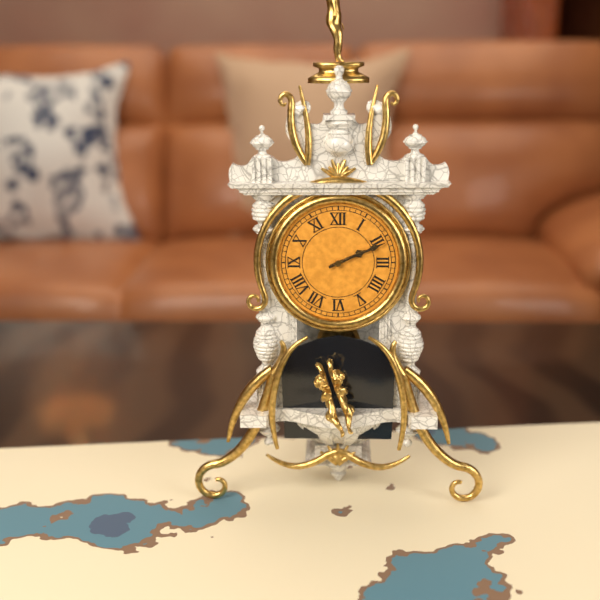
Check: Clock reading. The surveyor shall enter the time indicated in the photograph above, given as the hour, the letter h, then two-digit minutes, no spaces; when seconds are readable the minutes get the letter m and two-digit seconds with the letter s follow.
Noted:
2h11
